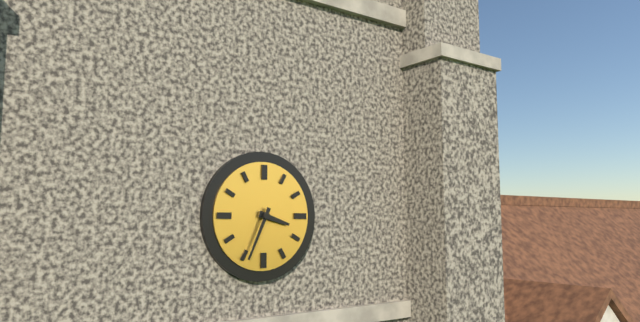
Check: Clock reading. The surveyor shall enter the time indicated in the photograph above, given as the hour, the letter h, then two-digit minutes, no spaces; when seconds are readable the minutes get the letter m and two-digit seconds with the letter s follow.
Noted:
3h34
